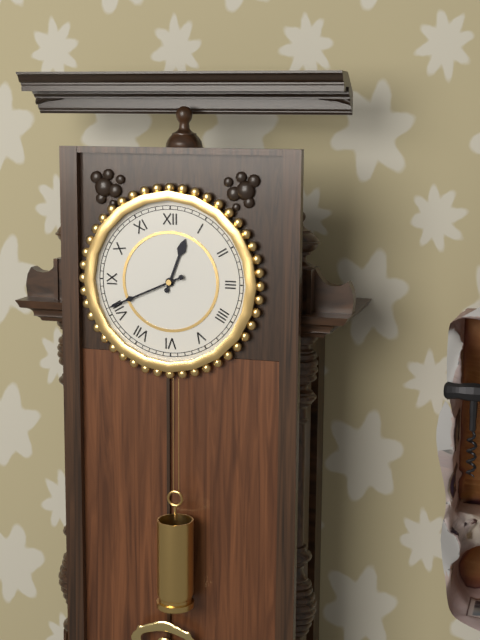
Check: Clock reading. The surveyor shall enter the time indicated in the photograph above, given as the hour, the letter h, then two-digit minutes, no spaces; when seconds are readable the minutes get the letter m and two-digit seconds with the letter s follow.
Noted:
12h41
